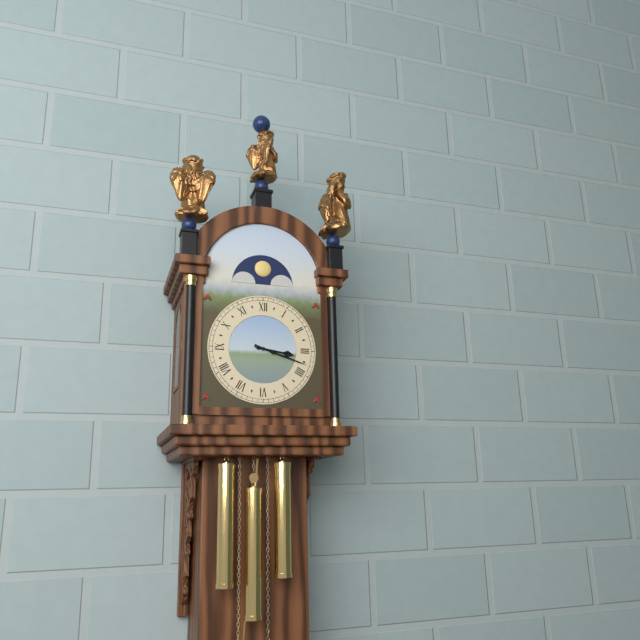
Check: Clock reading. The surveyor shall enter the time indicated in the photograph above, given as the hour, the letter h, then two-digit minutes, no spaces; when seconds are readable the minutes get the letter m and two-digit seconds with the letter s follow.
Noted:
3h18
